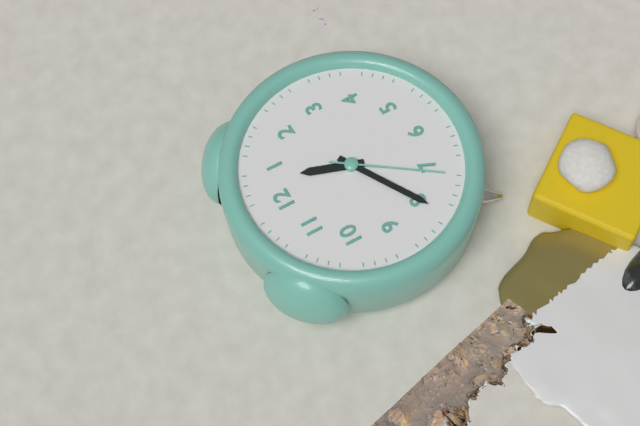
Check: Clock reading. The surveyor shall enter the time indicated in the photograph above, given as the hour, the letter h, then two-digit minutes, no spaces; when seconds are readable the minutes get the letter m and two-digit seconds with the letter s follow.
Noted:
12h40m36s
